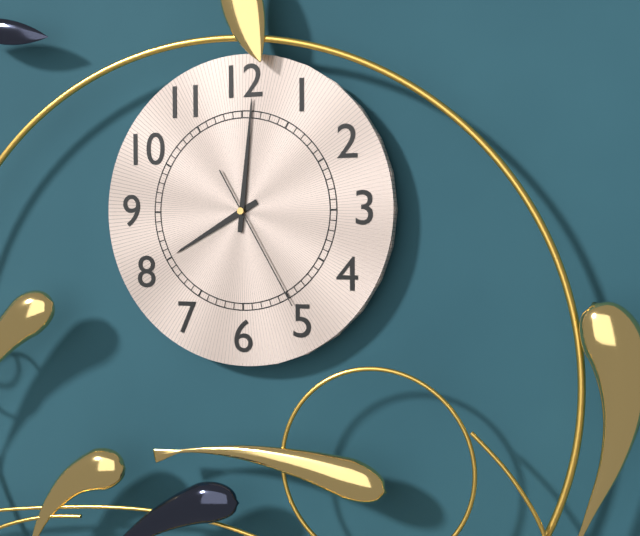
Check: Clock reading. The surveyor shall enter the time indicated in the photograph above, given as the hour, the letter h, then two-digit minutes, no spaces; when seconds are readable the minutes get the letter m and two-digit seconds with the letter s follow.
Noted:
8h01m25s
